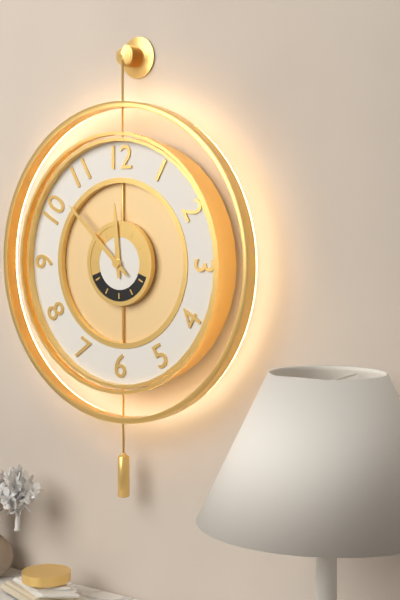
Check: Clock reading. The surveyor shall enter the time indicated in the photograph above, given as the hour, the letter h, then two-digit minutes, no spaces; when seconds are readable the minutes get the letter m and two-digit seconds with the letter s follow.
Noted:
11h52
